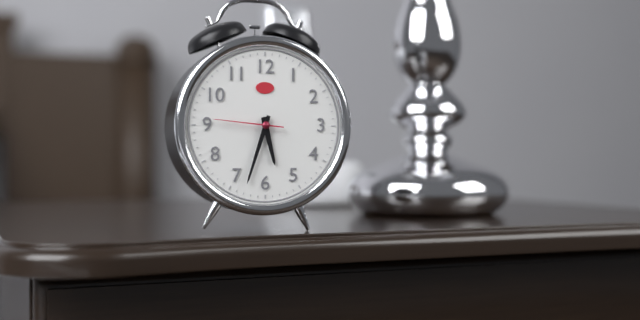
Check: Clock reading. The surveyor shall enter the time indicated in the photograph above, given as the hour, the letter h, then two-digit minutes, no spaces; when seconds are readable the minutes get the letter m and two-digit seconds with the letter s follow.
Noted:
5h33m46s
